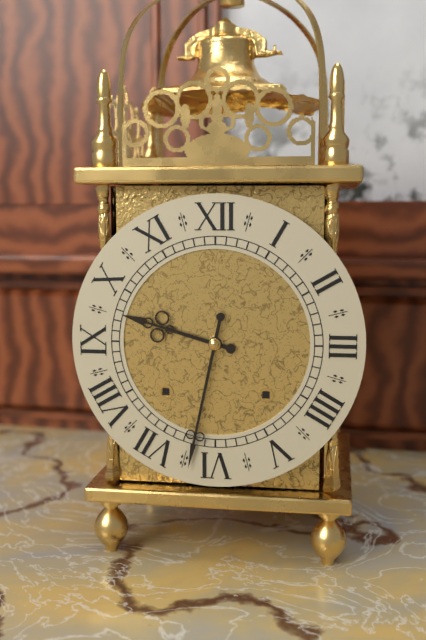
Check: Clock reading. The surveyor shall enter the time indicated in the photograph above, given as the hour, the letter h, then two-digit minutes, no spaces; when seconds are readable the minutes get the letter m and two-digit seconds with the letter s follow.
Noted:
9h32
